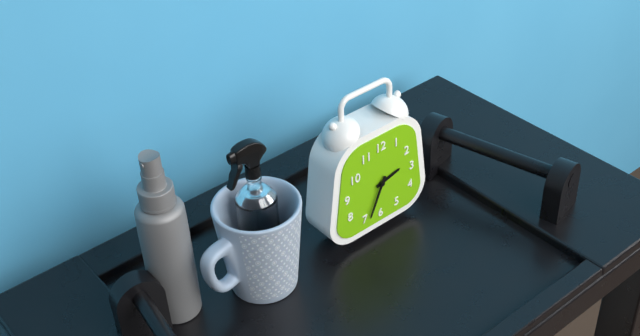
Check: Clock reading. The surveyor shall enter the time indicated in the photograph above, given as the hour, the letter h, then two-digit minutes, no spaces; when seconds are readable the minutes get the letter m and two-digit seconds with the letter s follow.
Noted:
2h34
